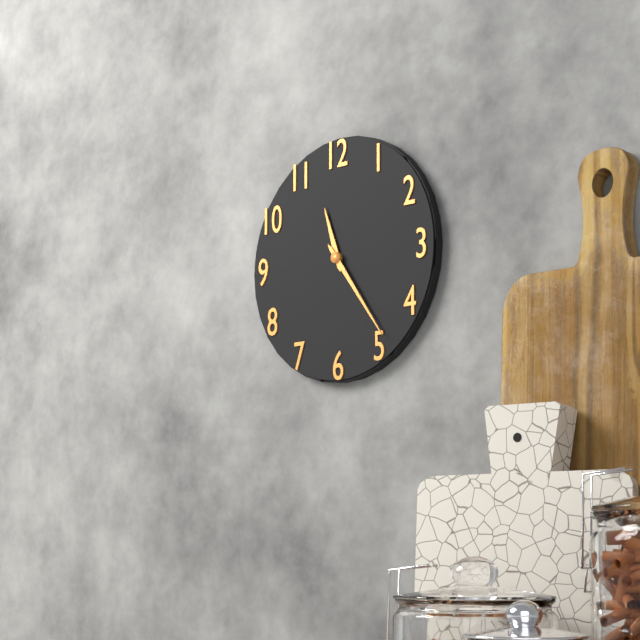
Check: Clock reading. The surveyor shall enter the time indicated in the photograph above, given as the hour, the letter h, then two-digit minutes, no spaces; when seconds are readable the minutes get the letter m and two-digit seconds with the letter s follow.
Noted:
11h24
